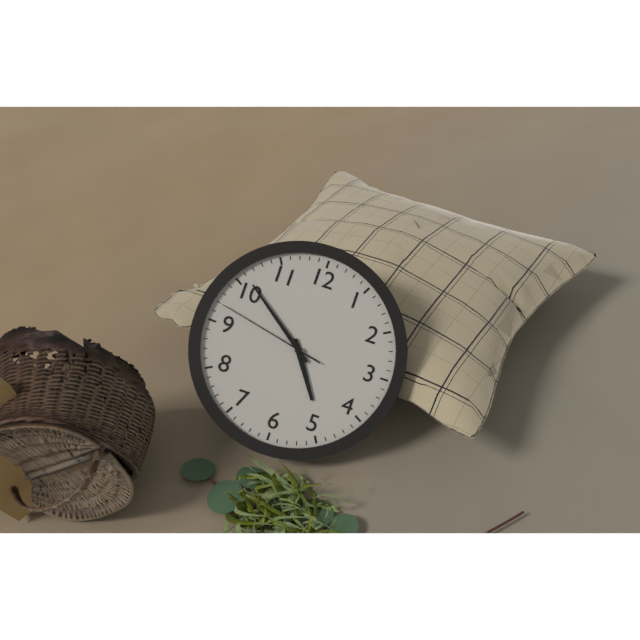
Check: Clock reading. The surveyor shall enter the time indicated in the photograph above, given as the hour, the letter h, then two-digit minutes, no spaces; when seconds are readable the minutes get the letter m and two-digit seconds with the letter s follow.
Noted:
4h51m47s
